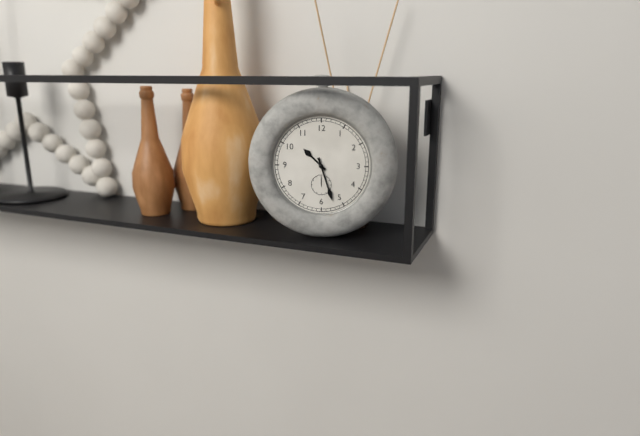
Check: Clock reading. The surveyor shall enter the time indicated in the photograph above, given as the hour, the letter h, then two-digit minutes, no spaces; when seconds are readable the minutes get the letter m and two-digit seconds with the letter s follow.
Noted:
10h27
